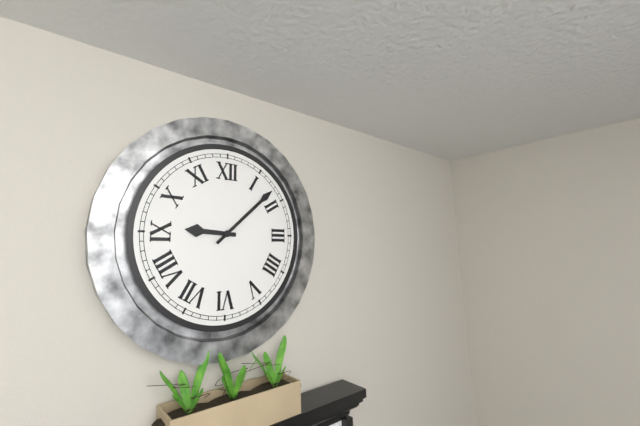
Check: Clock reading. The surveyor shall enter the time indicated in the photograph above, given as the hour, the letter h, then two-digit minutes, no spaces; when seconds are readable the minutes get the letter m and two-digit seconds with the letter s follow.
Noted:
9h08
